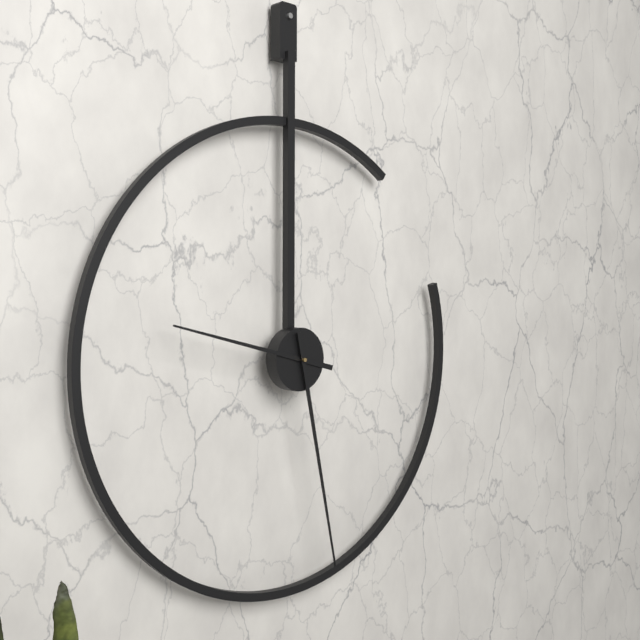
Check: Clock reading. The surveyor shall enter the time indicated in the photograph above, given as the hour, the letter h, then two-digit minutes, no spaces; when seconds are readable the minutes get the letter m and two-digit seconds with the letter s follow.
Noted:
9h28
